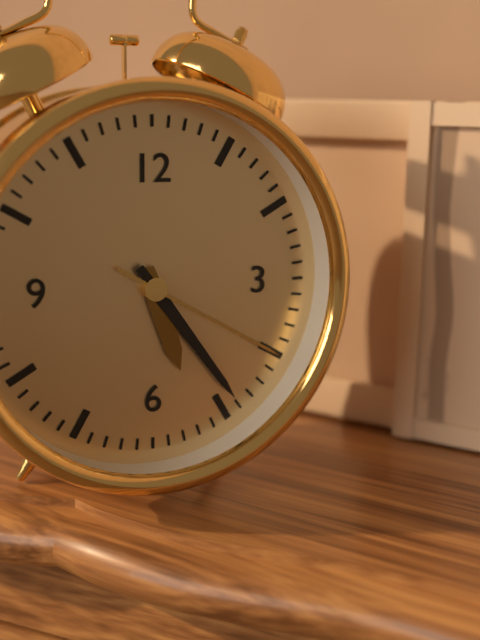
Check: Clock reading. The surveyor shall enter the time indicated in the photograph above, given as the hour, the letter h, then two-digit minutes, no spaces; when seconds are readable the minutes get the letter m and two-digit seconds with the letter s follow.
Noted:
5h24m20s
